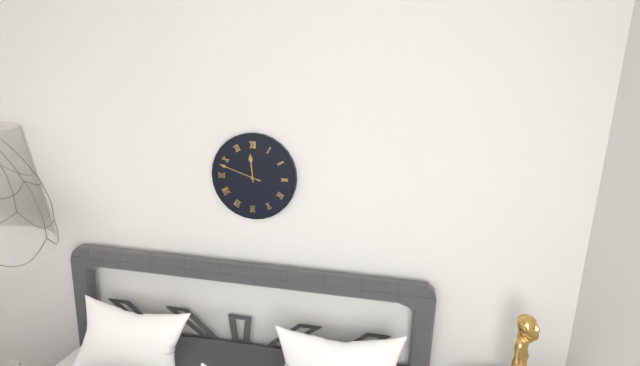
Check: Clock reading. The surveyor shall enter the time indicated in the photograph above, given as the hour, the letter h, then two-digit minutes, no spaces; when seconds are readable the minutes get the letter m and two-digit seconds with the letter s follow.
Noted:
11h48
